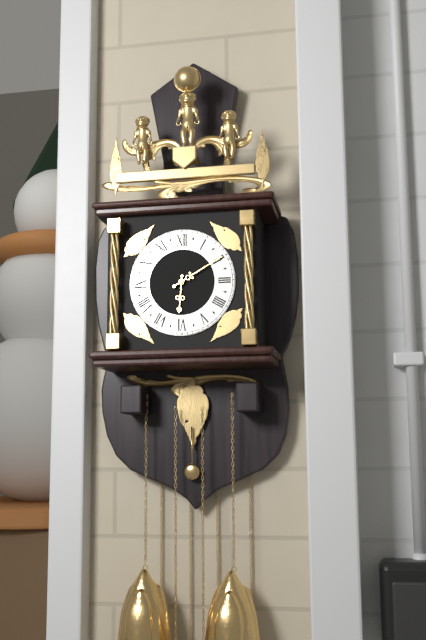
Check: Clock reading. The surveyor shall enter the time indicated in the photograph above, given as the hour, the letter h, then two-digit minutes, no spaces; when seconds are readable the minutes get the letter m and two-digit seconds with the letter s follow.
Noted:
6h10
